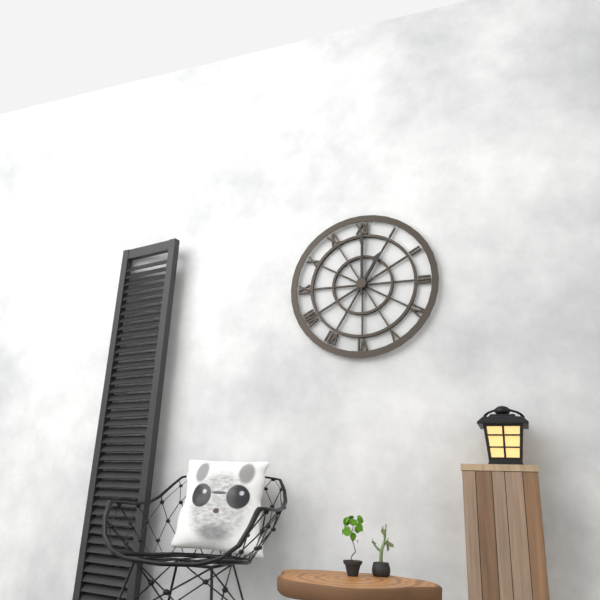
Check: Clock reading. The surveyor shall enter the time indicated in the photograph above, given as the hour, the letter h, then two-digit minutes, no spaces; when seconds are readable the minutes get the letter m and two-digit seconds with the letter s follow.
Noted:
1h00
